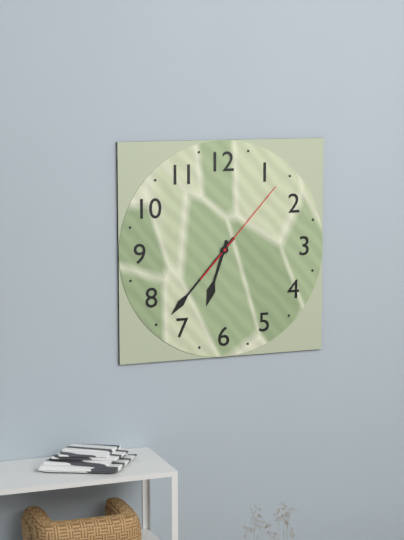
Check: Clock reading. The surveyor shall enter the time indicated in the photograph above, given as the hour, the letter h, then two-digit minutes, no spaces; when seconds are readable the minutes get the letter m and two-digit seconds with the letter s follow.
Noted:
6h37m07s
